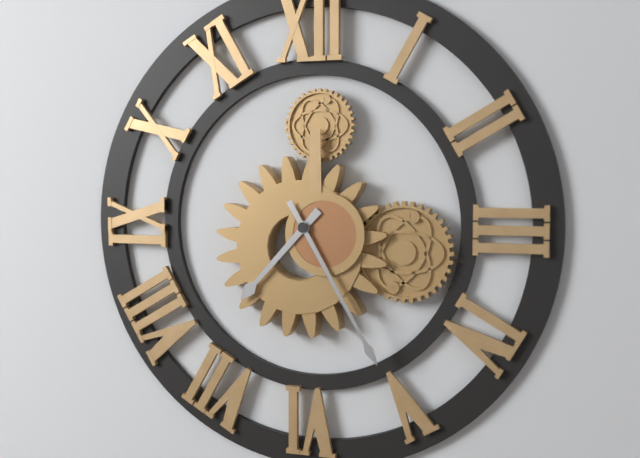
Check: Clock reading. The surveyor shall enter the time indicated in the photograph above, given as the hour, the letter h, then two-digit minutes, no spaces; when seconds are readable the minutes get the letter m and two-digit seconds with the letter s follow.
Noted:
7h25
